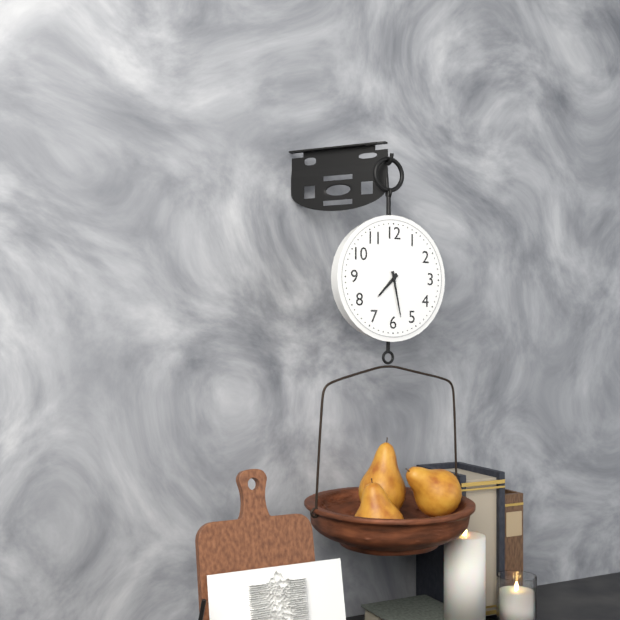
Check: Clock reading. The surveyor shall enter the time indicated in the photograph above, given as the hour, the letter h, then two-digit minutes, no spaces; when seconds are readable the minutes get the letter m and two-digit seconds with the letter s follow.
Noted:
7h28
